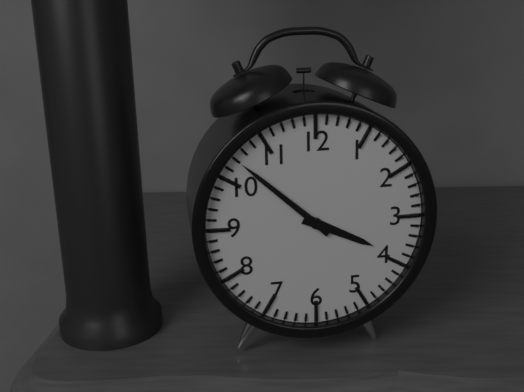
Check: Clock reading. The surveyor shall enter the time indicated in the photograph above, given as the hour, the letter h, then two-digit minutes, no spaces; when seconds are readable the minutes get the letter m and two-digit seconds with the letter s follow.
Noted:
3h52
